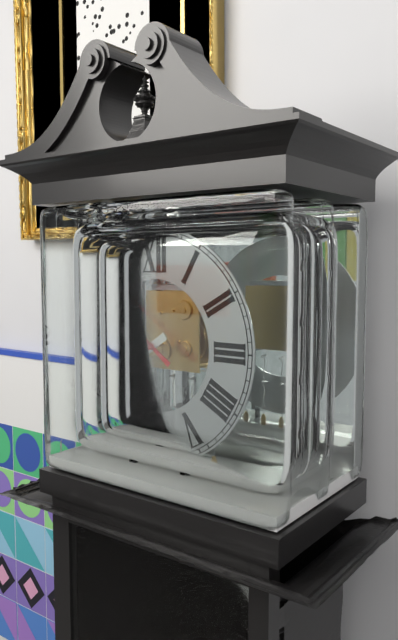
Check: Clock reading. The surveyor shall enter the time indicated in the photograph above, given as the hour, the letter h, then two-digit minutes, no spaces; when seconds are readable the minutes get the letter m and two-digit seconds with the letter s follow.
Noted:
7h51
